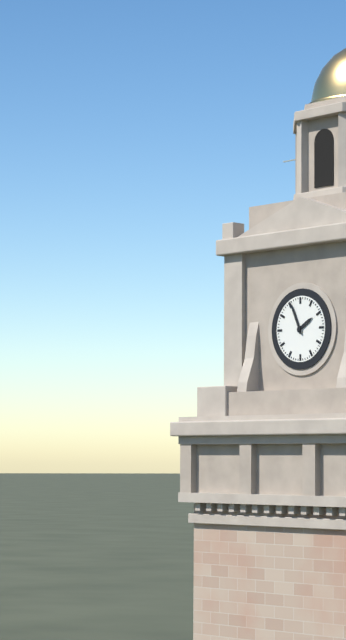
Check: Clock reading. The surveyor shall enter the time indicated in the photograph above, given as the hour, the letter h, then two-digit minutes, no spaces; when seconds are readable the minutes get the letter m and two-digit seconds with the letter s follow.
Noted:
1h56
